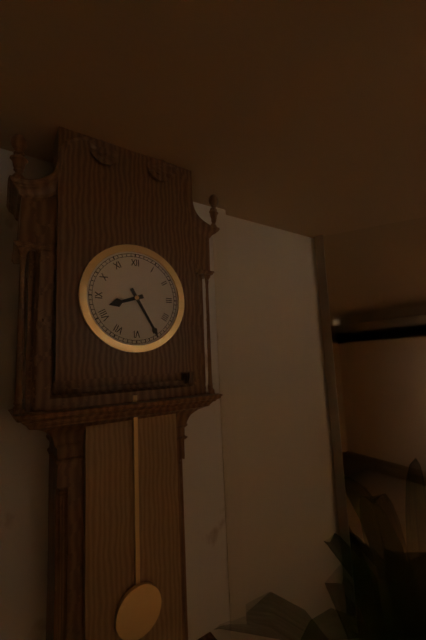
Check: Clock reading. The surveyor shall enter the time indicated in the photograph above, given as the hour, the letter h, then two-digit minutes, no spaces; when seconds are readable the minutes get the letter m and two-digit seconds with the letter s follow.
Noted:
8h25
